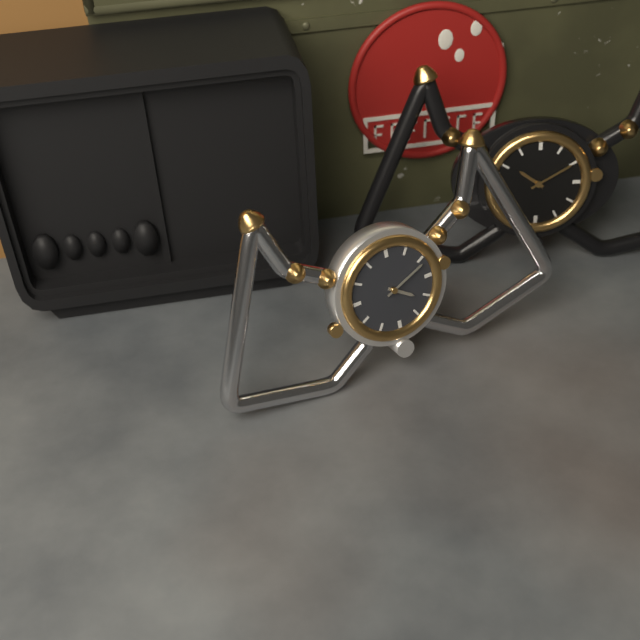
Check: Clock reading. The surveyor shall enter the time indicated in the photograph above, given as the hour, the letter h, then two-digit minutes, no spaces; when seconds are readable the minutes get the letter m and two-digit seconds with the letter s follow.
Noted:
4h11
